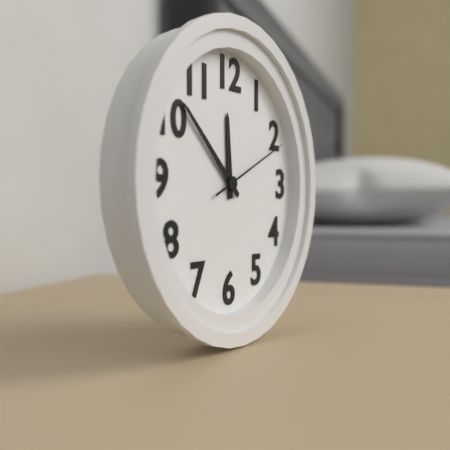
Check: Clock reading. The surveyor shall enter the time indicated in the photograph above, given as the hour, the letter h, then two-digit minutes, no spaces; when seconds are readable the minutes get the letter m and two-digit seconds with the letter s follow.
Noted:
11h52m11s
